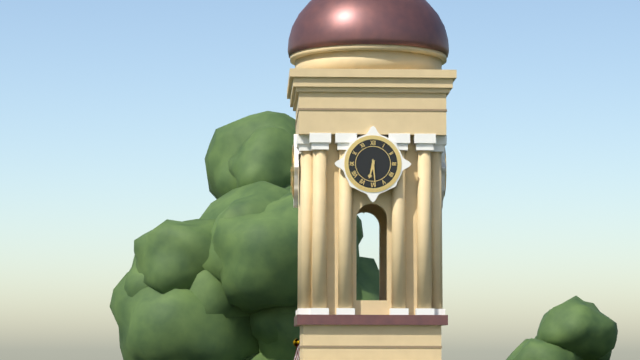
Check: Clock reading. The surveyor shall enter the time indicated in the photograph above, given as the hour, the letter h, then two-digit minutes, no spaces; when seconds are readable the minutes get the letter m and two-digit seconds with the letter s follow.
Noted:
6h29
